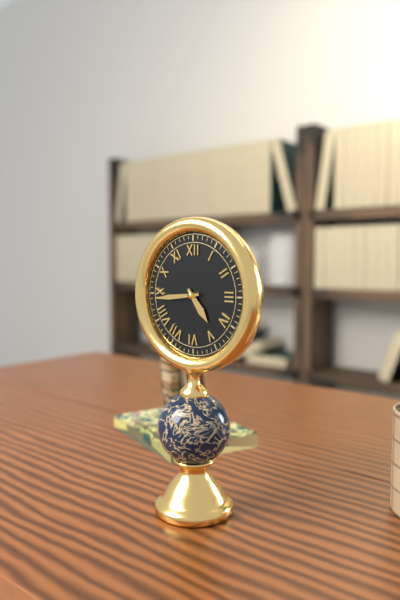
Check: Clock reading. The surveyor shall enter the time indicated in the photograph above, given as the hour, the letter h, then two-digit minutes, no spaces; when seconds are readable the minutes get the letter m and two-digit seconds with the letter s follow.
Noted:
4h44
